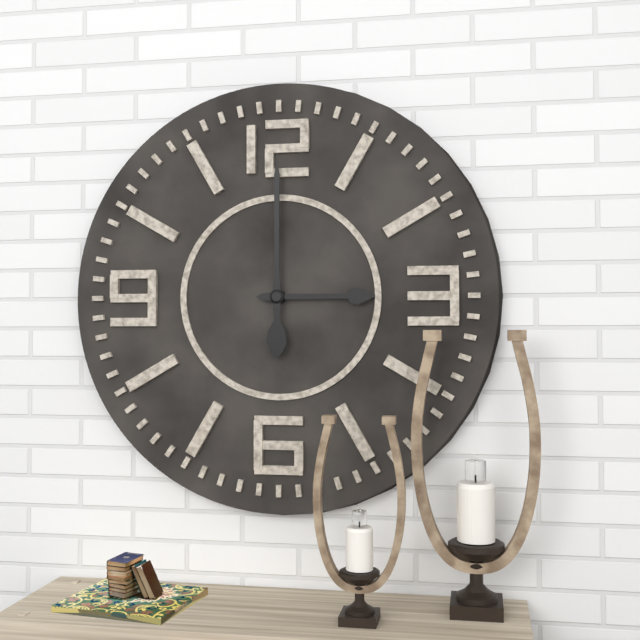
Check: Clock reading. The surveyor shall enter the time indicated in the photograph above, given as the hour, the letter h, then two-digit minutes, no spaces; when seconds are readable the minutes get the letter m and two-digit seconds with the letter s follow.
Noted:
3h00
